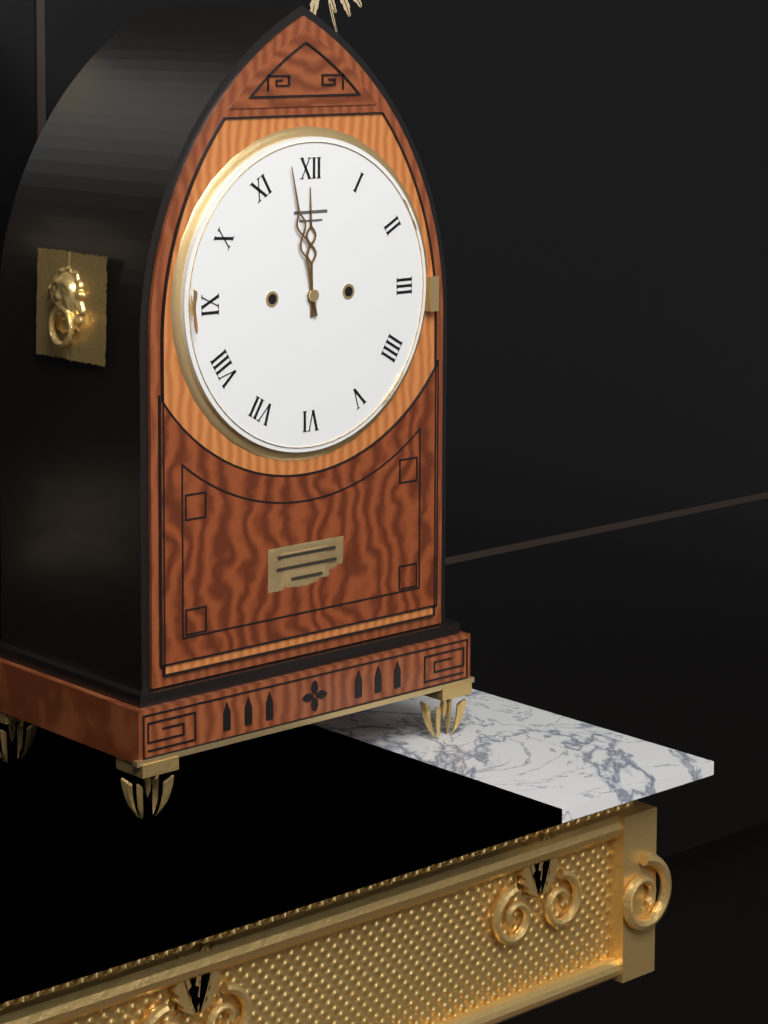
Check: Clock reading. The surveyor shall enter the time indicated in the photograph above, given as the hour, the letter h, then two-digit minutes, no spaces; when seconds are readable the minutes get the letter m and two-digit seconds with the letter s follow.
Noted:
11h58
